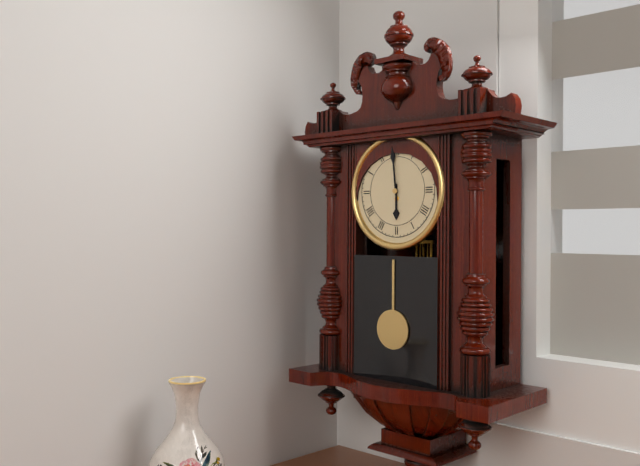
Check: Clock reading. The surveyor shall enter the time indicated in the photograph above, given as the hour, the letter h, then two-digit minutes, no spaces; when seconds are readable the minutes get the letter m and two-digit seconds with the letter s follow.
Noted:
5h59
